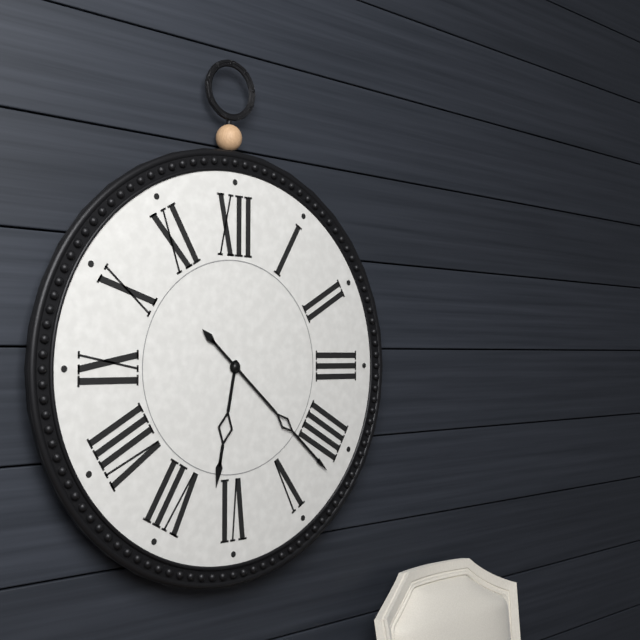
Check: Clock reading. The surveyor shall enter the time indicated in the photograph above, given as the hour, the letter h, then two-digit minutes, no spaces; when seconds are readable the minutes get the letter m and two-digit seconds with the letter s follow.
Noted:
6h22
